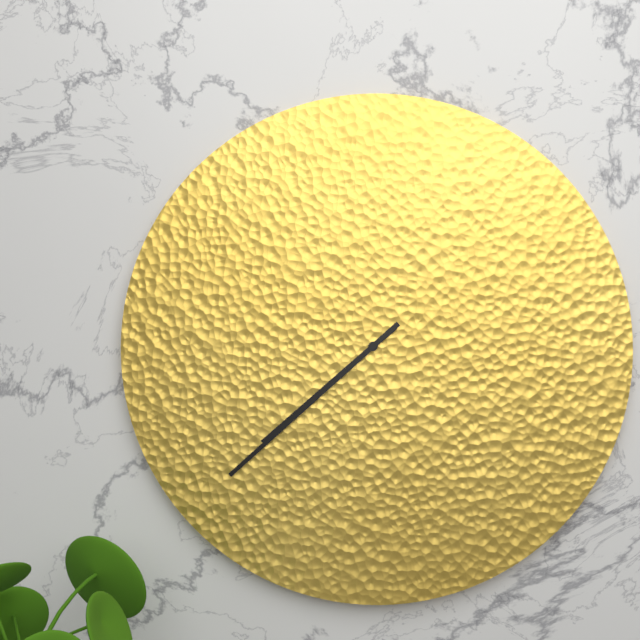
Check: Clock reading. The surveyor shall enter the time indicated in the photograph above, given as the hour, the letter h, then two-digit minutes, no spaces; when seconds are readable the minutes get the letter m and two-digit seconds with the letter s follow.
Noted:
7h38
